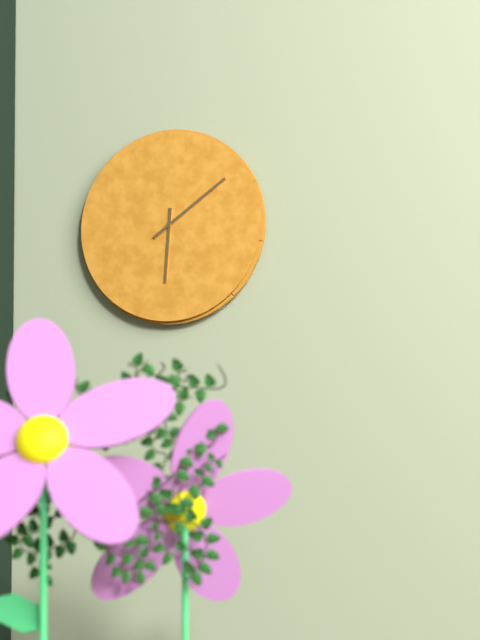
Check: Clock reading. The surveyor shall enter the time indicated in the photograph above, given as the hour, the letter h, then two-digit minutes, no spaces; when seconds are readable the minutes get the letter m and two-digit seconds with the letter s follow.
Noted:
6h09
